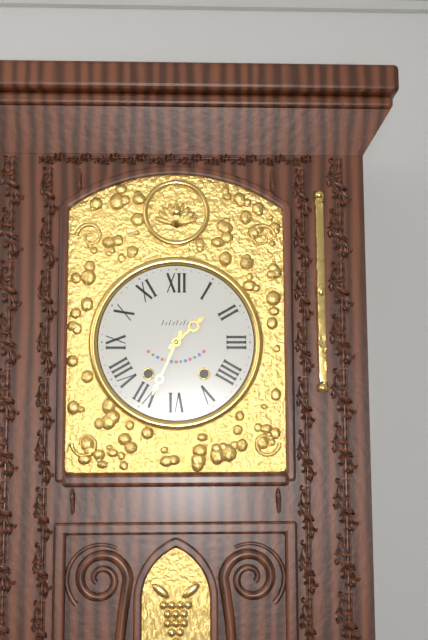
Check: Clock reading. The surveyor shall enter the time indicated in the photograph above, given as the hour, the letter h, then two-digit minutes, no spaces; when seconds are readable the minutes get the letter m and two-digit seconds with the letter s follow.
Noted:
1h34
